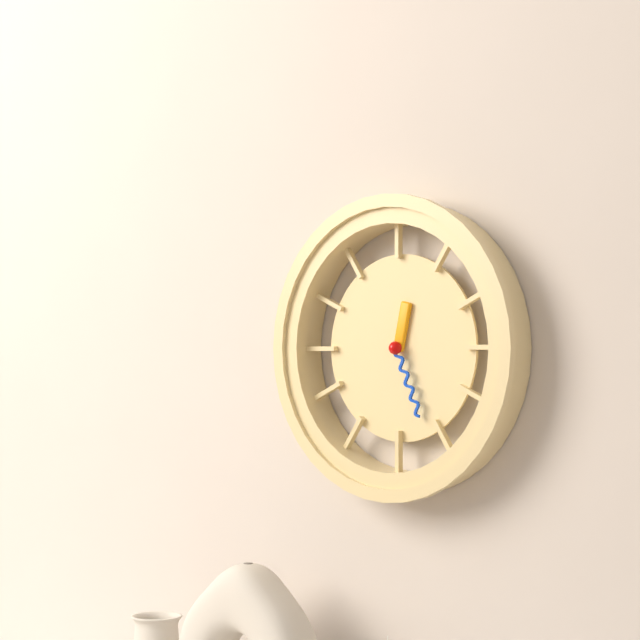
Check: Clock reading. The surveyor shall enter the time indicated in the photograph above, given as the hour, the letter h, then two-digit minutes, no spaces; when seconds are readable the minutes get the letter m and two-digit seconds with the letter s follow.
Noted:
12h26
